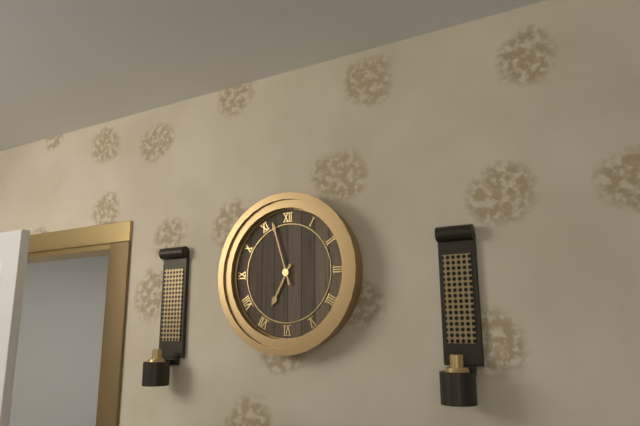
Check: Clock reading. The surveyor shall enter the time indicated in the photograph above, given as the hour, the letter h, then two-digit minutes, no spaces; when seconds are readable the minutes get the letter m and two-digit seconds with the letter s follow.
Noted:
6h57
